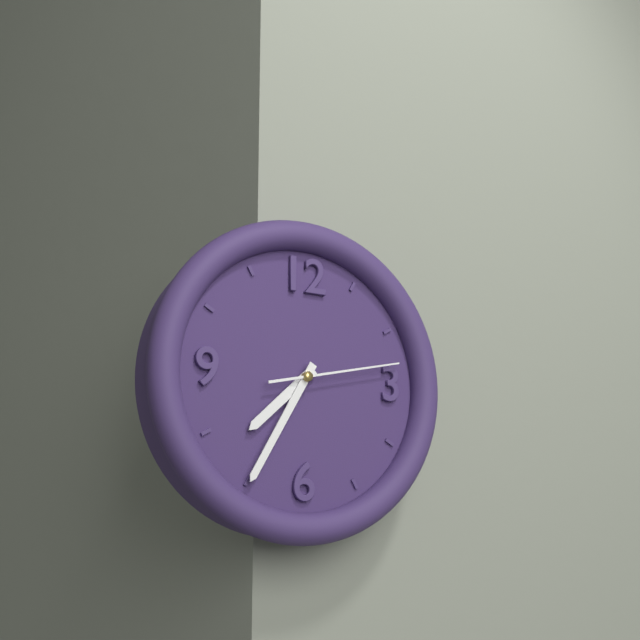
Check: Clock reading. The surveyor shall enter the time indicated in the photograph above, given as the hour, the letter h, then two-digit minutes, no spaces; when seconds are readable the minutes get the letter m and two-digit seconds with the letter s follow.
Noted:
7h35m13s
